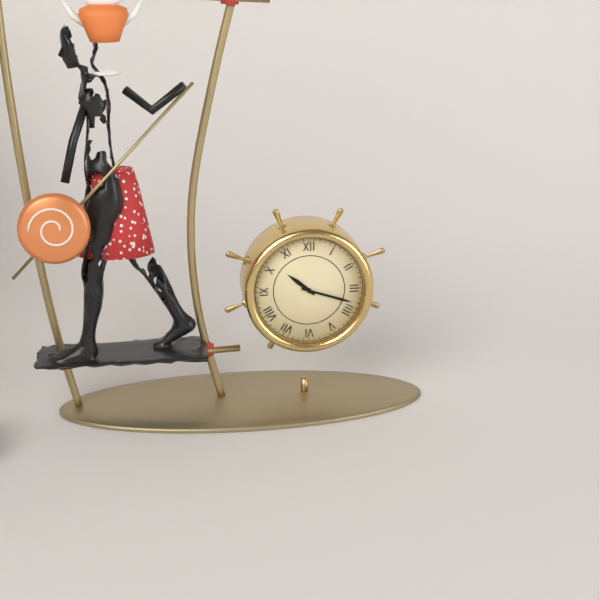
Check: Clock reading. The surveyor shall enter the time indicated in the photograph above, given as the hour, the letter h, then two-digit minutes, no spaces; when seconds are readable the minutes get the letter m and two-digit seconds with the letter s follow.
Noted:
10h18
